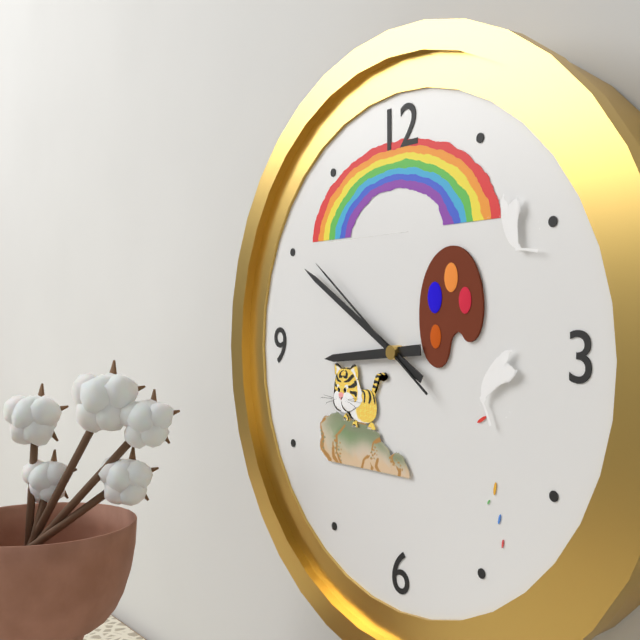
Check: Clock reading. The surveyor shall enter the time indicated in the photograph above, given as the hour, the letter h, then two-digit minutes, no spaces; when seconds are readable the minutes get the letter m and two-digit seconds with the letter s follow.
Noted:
8h50m51s
